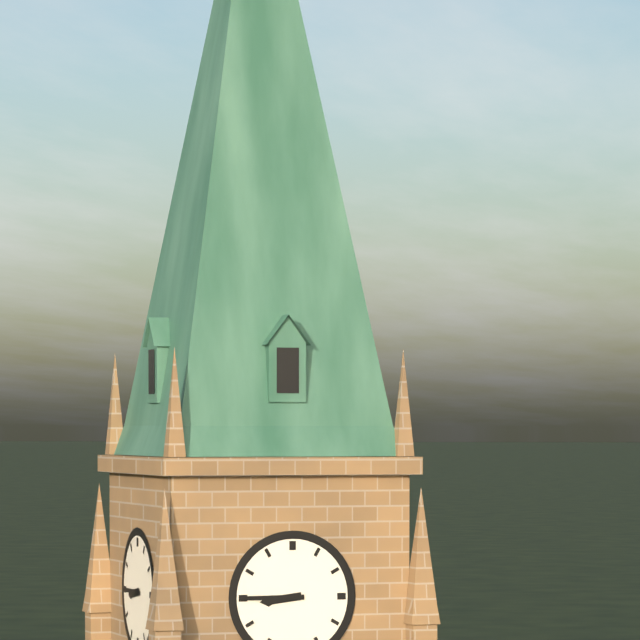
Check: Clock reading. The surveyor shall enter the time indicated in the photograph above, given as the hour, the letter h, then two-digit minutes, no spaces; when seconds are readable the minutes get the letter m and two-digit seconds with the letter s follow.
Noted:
8h45
